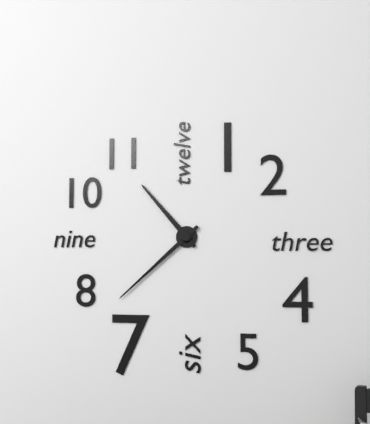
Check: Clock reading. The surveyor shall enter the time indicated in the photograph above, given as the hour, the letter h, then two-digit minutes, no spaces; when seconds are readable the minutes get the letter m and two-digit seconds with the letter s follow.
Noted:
10h38
